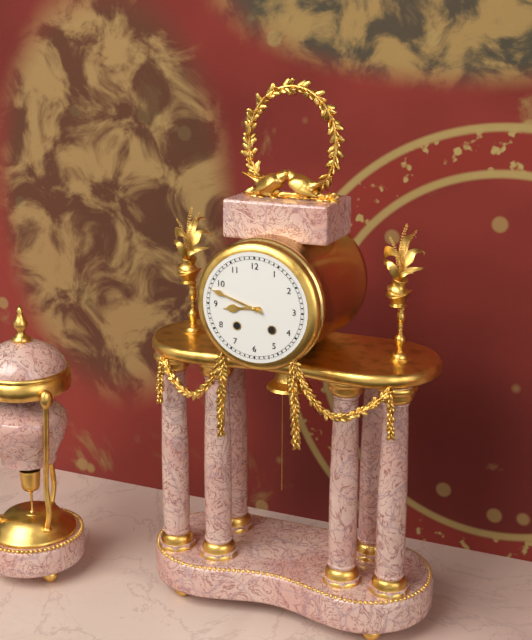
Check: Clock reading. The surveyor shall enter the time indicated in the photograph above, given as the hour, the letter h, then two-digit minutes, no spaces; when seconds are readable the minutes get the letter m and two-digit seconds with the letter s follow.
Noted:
8h48
